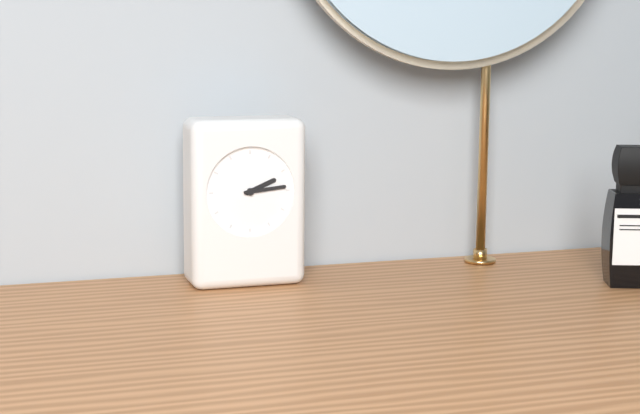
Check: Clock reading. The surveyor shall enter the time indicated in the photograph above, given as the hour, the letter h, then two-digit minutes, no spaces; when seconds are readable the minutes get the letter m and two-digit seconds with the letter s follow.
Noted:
2h14
